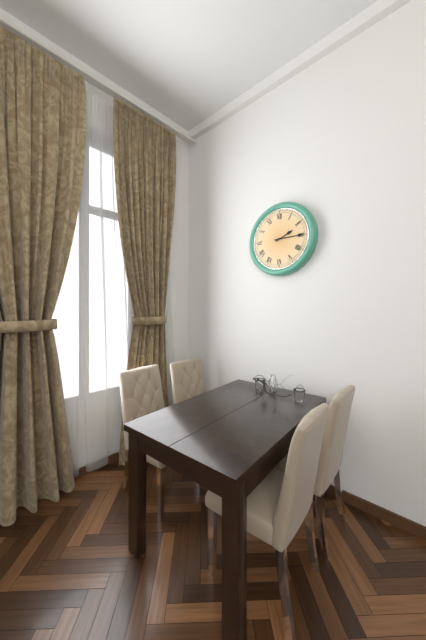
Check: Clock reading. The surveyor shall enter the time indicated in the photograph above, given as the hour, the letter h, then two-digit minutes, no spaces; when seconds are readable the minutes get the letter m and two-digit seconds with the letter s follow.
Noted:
2h15
